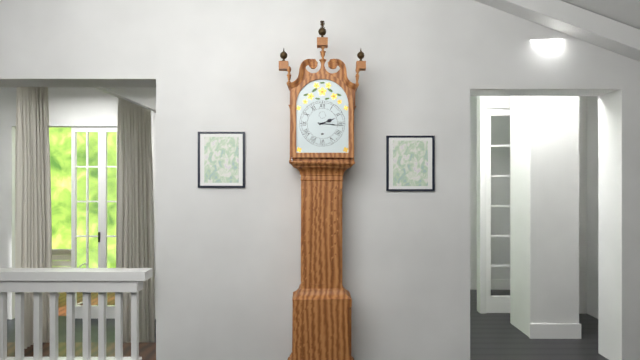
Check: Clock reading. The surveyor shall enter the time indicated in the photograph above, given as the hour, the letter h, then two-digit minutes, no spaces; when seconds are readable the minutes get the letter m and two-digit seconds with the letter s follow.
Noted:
2h16
